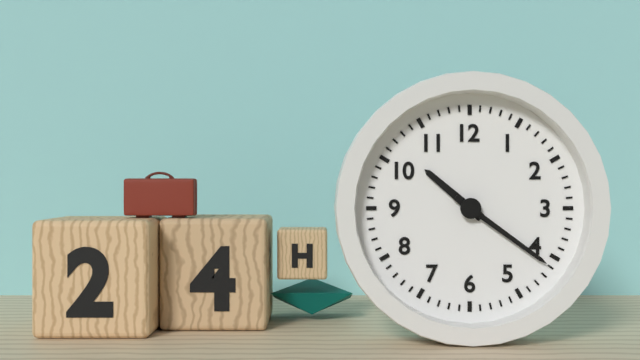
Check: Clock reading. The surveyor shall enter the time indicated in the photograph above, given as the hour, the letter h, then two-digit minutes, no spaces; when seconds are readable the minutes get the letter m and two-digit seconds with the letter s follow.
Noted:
10h21
